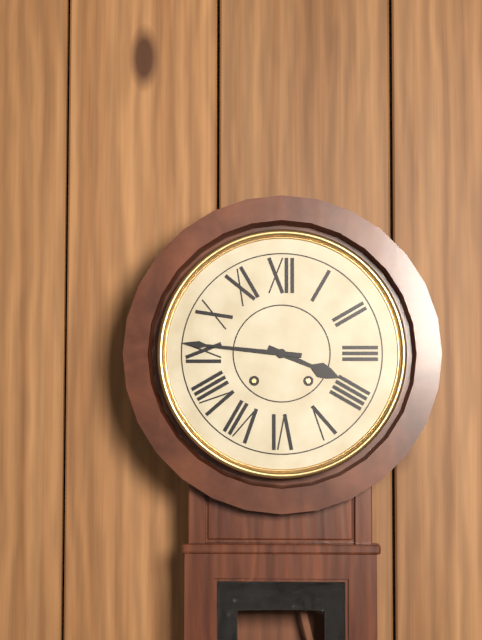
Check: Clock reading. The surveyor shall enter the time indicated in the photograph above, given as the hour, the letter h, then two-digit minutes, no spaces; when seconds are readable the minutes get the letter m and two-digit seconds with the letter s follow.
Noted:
3h46
